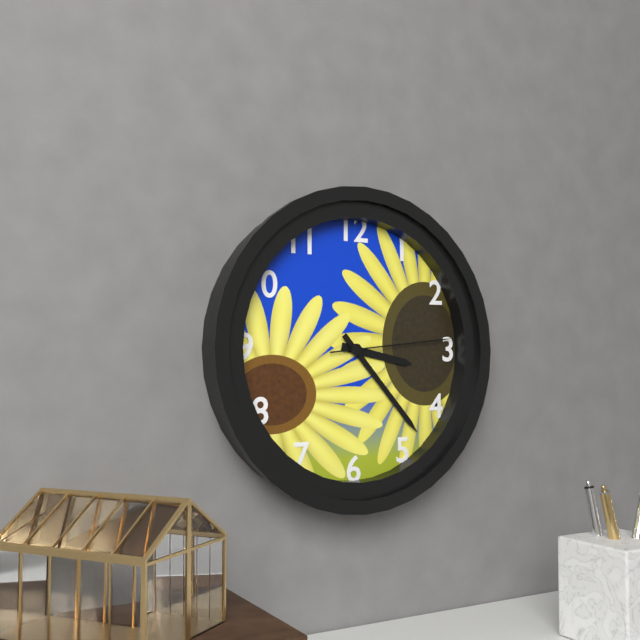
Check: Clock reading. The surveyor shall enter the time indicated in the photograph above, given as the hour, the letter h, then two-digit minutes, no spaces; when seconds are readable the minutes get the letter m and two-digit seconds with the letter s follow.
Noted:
3h23m14s
